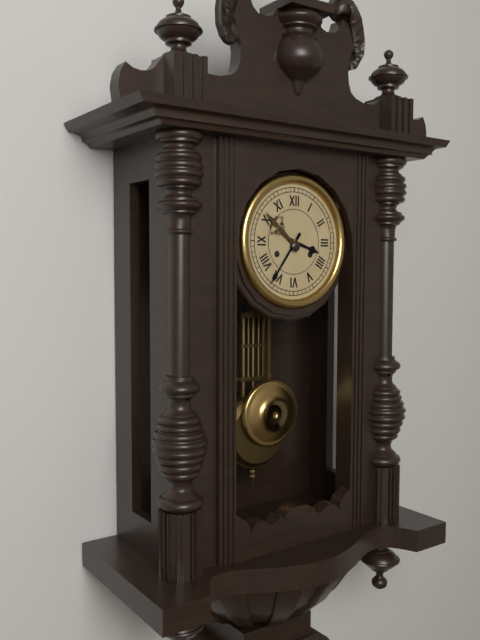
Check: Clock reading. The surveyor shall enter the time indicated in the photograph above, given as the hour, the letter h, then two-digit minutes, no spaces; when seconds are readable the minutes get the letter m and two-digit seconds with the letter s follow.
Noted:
3h36
